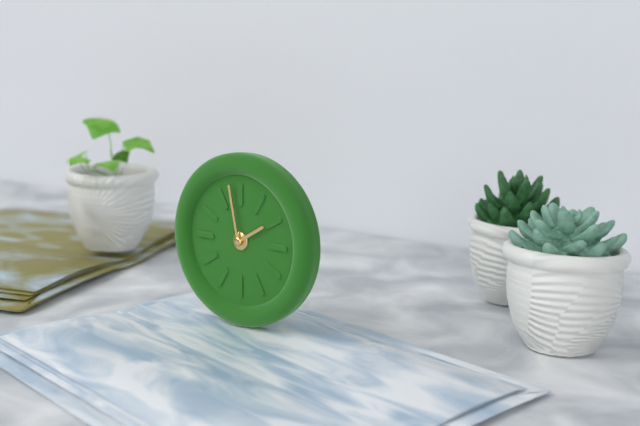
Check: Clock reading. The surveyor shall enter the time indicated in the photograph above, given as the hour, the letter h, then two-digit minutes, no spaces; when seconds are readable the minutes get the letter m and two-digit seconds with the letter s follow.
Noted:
1h58
